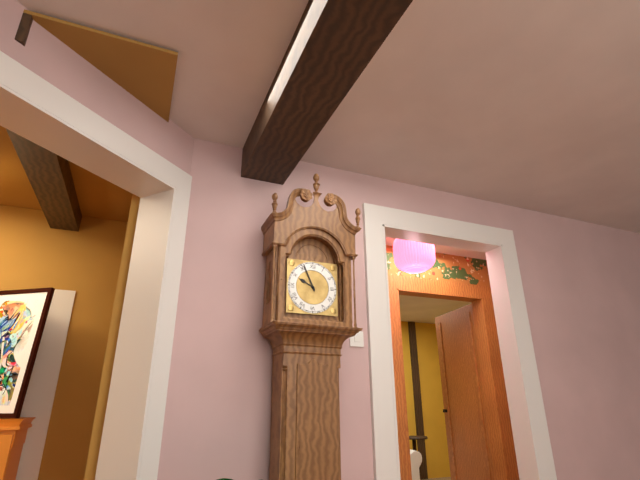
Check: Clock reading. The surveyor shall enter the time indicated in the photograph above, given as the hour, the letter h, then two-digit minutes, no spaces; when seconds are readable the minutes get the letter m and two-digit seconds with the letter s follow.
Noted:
9h56
